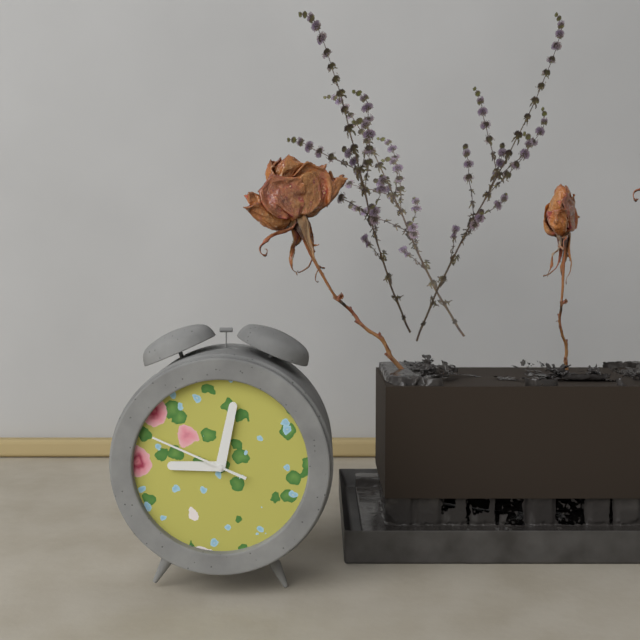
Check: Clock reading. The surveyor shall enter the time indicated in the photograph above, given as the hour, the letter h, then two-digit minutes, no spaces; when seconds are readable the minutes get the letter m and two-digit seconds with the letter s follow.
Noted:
9h02m49s
